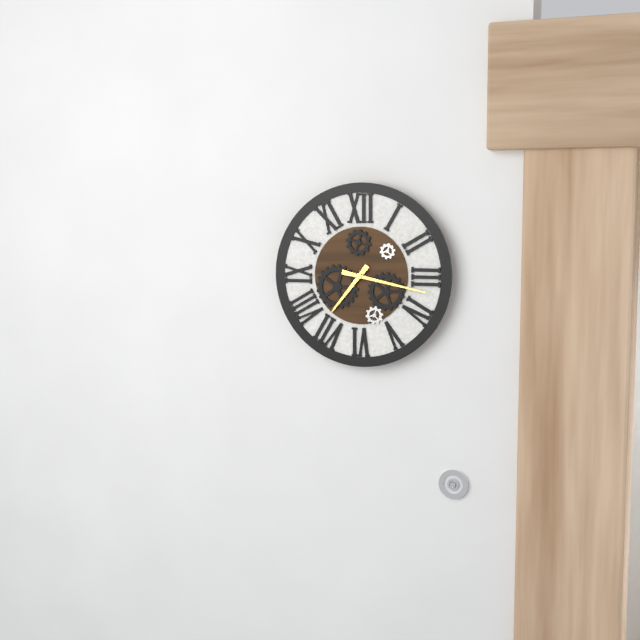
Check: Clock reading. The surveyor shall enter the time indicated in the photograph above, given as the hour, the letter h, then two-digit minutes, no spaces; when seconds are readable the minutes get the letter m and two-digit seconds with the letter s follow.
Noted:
7h17
